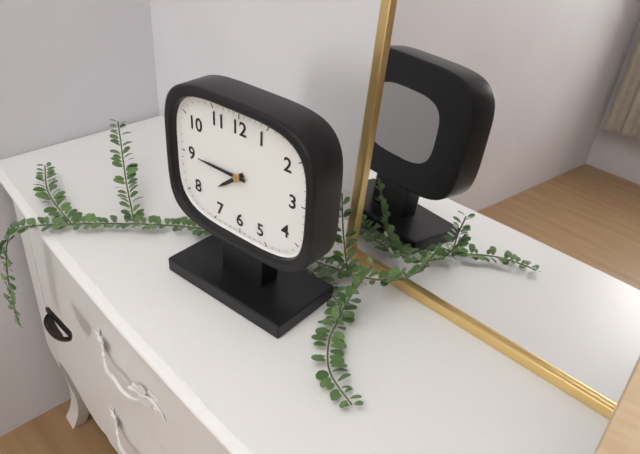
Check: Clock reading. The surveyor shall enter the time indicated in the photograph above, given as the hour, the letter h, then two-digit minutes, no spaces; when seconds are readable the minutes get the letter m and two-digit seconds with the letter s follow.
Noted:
7h45
